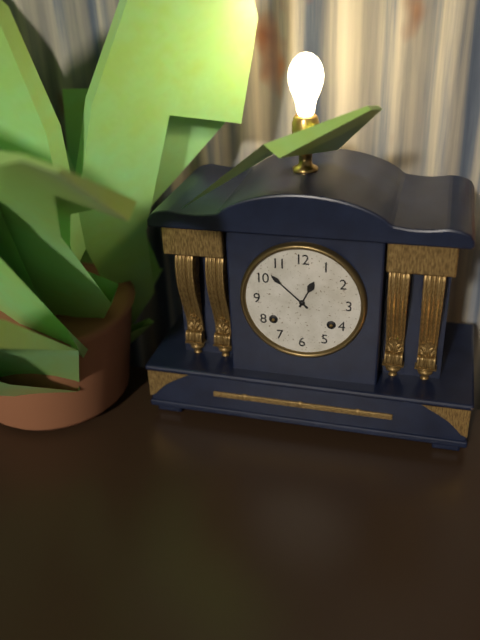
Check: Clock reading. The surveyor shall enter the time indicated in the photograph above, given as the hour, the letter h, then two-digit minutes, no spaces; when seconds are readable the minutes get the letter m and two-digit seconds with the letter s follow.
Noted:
12h52
